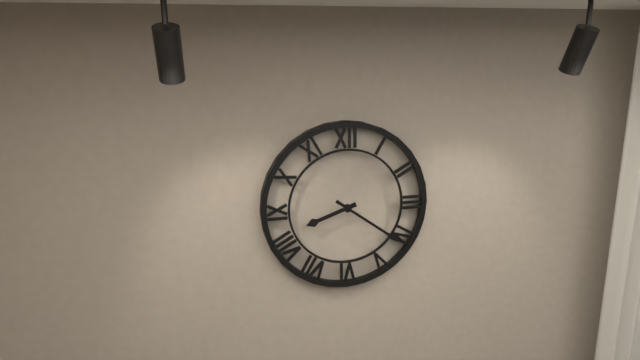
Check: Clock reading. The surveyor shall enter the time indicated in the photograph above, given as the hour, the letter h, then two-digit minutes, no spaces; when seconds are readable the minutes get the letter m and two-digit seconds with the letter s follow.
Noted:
8h21
